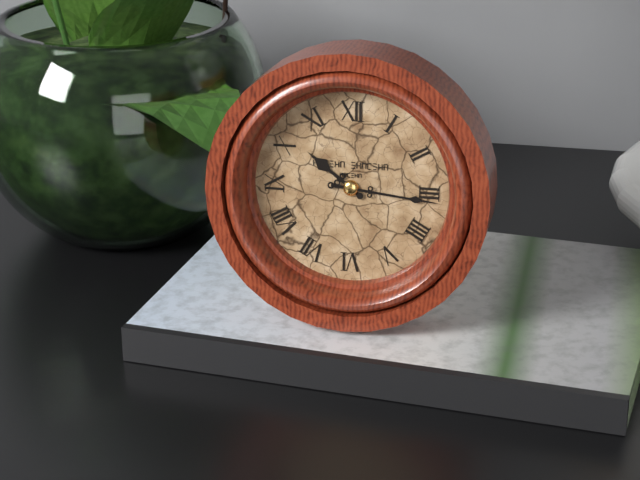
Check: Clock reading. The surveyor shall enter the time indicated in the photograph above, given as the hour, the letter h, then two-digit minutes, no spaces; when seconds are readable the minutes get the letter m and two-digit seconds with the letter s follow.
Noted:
10h16
